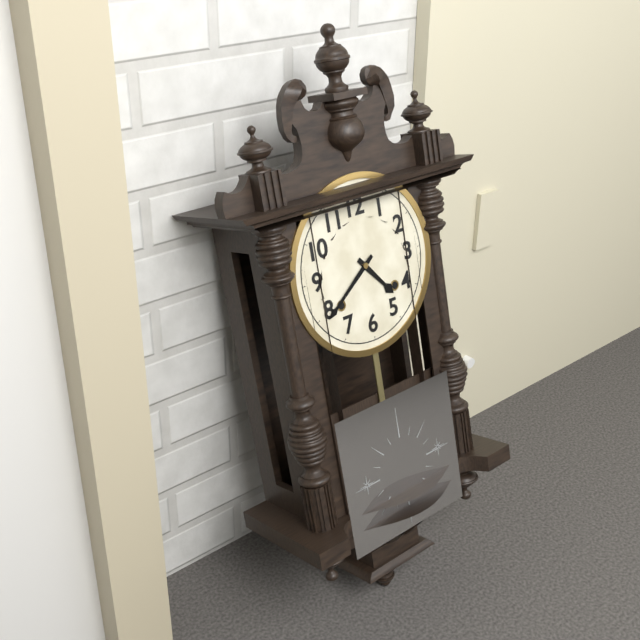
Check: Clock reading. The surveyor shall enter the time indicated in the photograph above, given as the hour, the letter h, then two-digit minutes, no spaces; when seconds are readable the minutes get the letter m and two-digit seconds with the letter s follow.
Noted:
4h39
